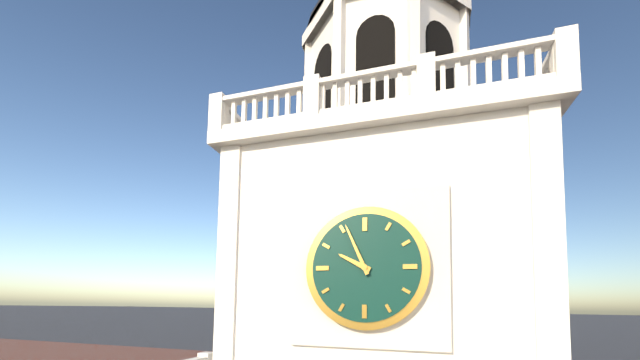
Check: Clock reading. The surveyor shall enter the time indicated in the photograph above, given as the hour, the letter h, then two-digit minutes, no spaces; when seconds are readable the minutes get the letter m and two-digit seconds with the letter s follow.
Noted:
9h56
